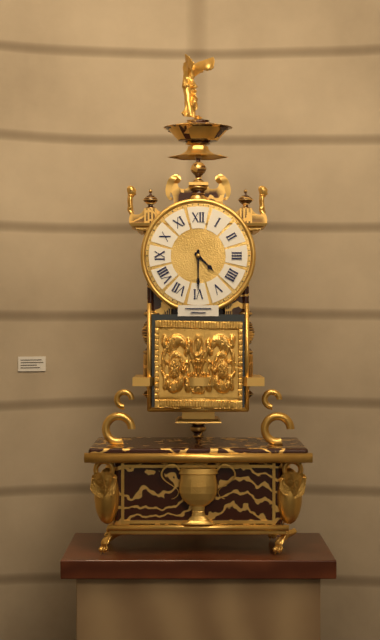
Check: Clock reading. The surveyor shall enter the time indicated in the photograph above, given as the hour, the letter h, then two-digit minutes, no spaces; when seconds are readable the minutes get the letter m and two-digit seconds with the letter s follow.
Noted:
4h30
